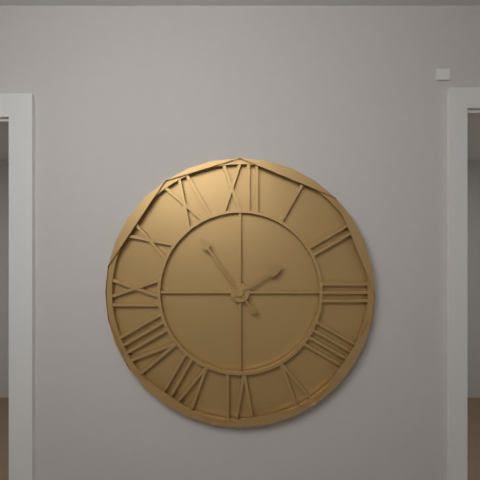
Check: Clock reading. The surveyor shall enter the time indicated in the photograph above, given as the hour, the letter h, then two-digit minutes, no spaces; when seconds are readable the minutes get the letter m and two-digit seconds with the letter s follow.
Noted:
1h54
